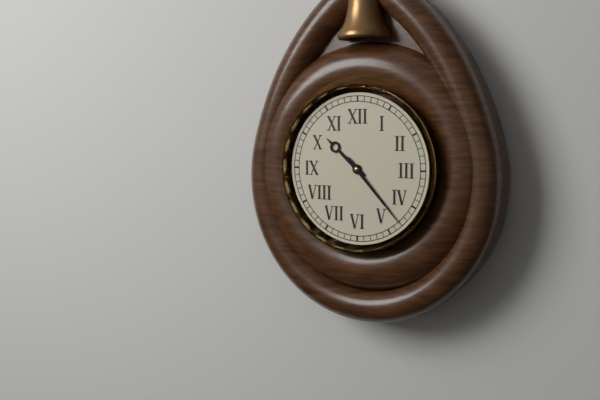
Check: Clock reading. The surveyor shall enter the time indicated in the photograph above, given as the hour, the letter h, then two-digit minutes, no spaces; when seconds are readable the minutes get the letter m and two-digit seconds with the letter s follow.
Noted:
10h23
